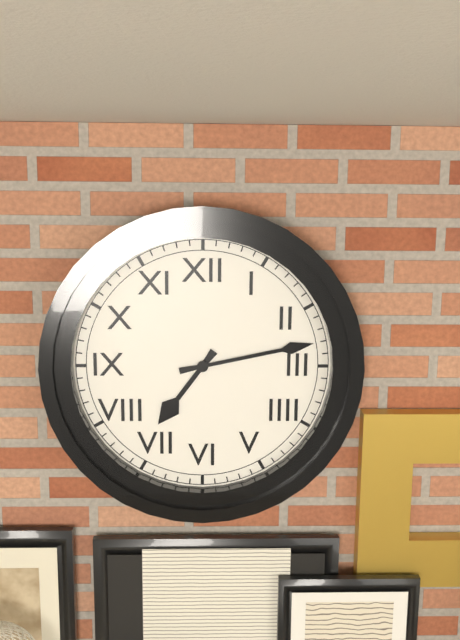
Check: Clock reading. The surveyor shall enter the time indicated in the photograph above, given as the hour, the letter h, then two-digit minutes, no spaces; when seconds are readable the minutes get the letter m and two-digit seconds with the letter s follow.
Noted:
7h13
